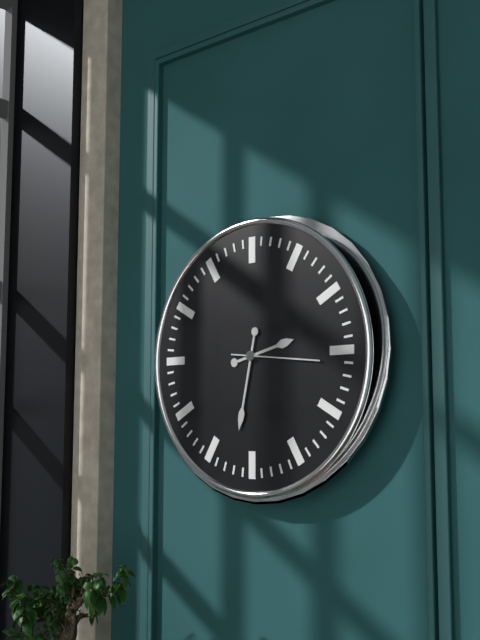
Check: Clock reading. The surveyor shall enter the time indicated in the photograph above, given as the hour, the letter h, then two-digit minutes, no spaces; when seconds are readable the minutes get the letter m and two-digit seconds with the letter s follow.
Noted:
2h32m16s
